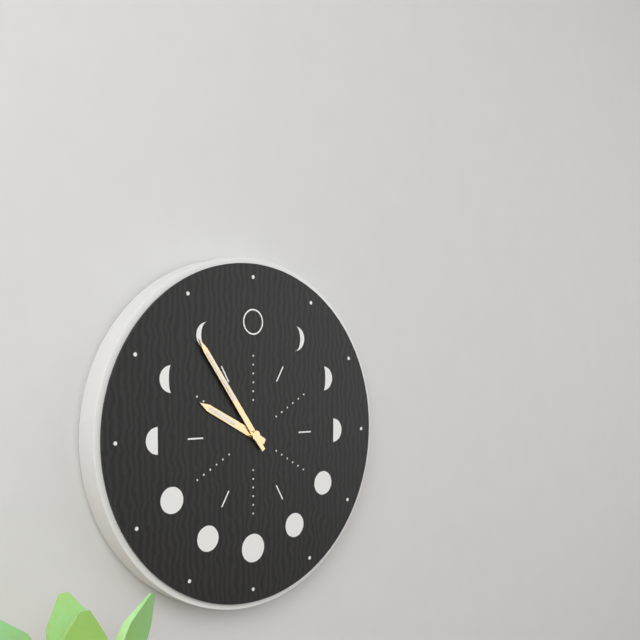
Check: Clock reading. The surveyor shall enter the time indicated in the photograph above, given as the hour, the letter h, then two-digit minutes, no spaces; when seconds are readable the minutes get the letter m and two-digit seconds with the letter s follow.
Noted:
9h54
